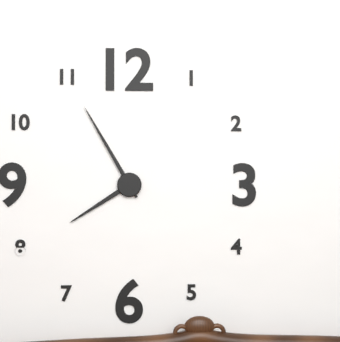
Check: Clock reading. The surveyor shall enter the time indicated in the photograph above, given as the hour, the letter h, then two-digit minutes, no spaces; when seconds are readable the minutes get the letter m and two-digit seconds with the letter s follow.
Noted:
7h55
